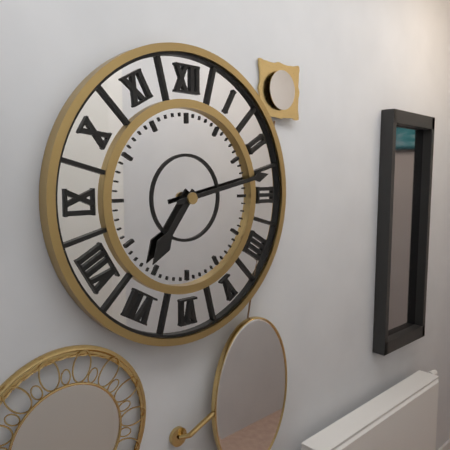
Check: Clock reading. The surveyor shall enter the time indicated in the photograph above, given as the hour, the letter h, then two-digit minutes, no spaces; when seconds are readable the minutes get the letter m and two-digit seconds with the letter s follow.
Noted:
7h13
